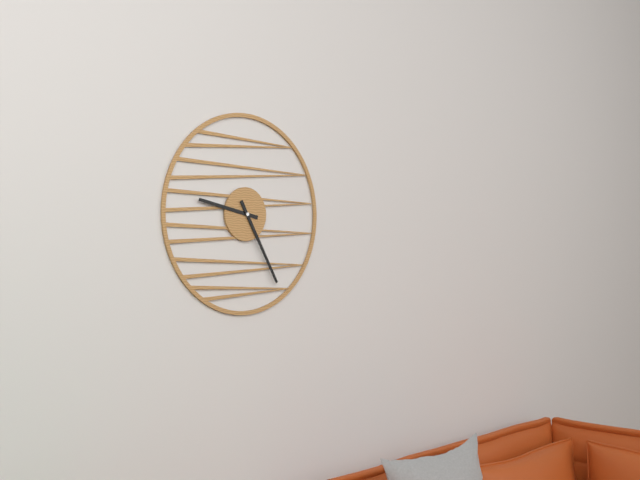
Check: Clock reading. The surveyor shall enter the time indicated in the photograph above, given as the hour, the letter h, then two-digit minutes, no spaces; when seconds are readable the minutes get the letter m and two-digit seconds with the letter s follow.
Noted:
9h25
